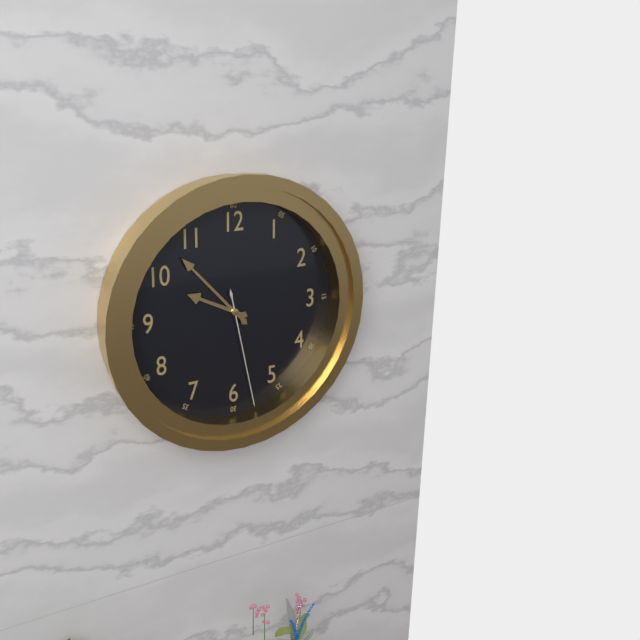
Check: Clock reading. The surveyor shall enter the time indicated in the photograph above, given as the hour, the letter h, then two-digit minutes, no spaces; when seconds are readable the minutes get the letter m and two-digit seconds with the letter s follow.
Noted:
9h53m28s
